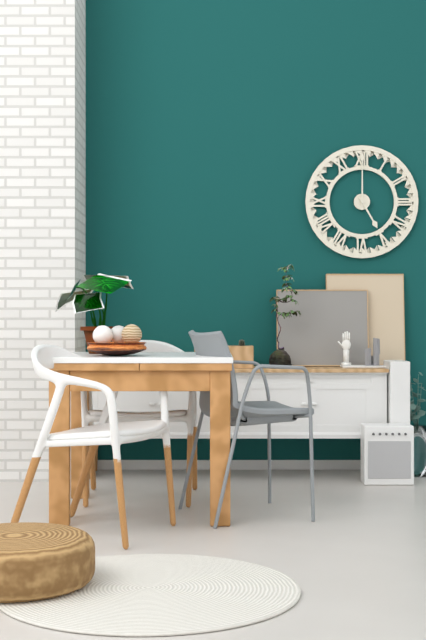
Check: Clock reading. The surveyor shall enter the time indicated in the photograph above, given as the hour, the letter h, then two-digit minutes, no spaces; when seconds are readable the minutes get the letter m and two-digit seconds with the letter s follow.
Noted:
5h00
